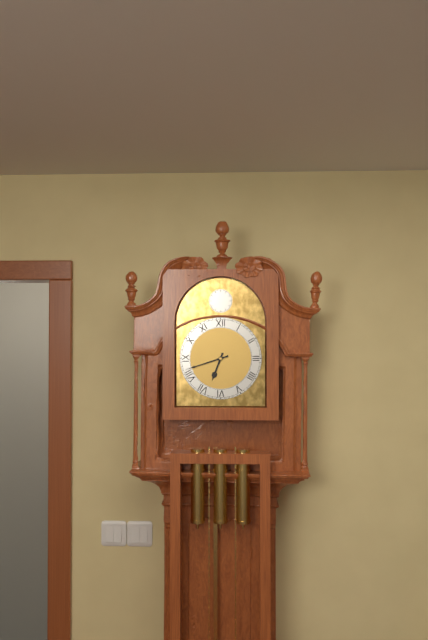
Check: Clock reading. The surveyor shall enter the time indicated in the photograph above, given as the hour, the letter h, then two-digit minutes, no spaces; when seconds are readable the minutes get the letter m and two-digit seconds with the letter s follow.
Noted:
6h42
